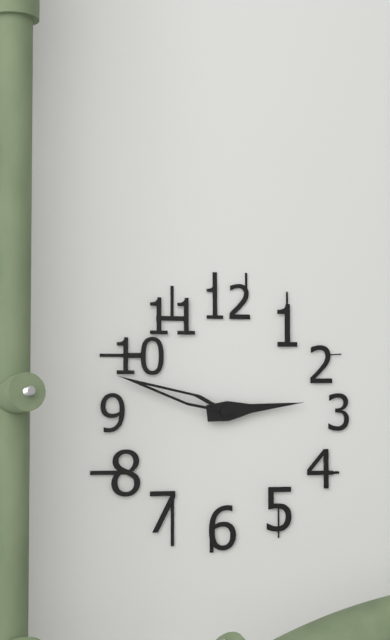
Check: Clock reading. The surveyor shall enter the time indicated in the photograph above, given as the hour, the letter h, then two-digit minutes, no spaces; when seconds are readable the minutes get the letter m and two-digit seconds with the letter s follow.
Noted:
2h48
